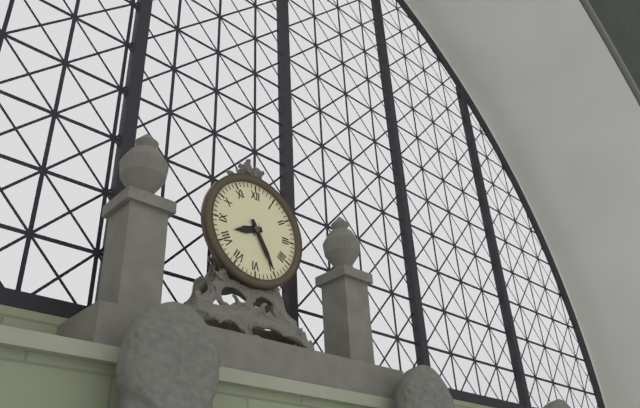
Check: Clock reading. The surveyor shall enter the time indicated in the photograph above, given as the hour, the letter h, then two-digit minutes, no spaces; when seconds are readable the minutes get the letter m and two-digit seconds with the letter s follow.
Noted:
8h25
